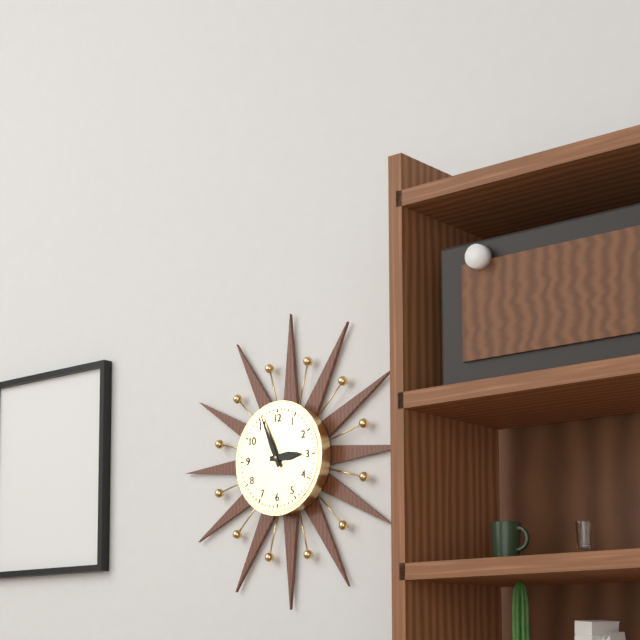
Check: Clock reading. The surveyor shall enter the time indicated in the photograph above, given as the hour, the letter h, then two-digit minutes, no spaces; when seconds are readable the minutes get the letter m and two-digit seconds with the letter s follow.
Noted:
2h56
